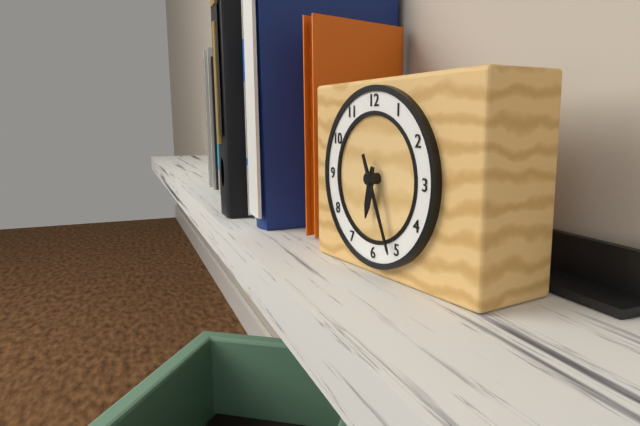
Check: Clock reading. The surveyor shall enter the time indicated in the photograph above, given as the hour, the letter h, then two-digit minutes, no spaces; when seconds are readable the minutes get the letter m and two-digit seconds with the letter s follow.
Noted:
6h26
